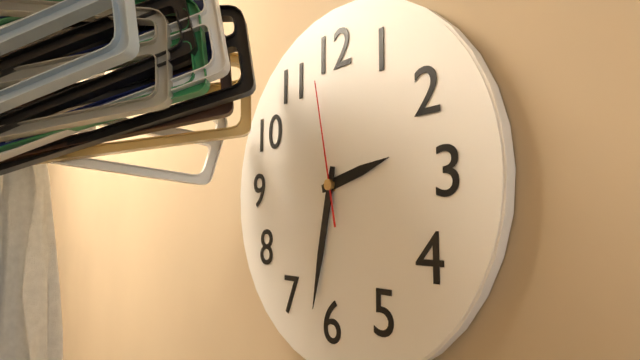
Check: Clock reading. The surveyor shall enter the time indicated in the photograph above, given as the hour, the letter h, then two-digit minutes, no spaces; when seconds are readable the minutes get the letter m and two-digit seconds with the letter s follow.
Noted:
2h32m58s
